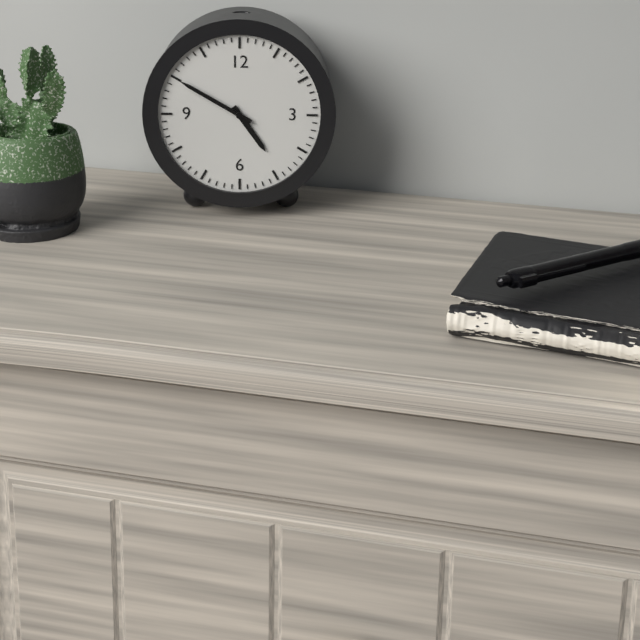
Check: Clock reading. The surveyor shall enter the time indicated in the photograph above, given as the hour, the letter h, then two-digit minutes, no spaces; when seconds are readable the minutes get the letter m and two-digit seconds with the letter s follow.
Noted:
4h50
